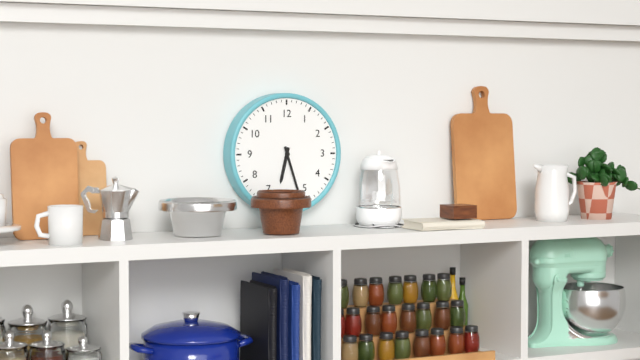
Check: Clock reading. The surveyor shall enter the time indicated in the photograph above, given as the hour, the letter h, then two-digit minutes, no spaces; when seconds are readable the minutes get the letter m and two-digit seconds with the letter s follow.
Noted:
6h27
